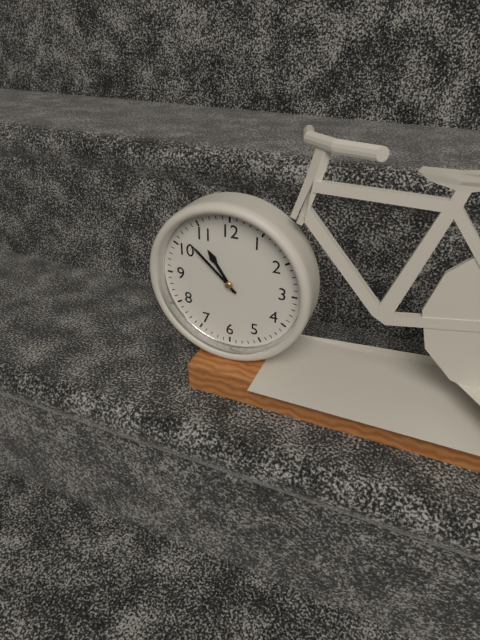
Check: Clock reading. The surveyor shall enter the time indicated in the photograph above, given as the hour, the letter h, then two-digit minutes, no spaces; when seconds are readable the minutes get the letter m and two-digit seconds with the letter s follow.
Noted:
10h52
